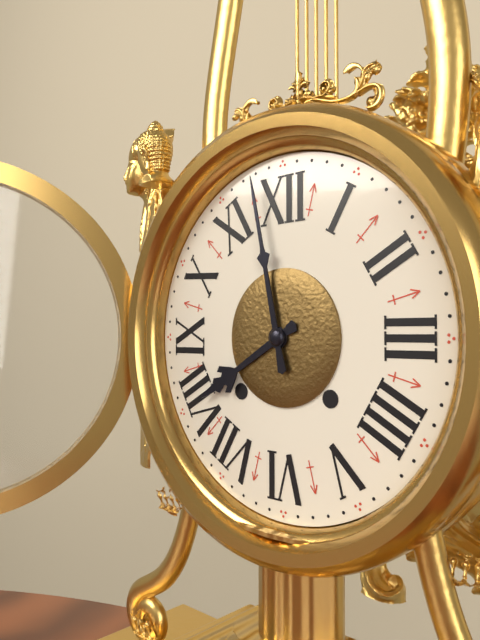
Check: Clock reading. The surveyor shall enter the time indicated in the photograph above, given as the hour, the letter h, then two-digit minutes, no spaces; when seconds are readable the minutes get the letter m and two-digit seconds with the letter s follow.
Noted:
7h58
